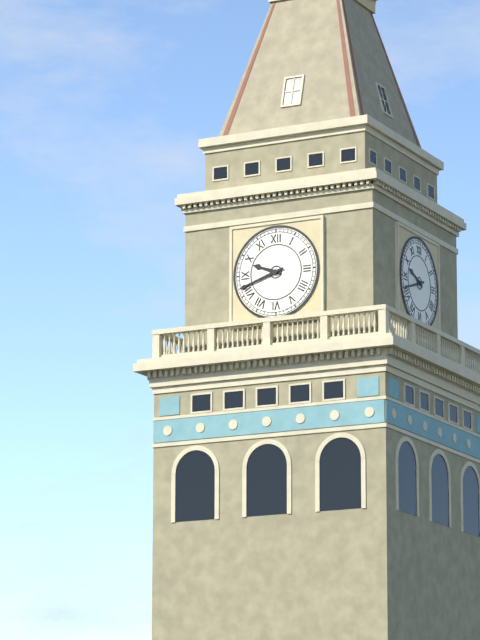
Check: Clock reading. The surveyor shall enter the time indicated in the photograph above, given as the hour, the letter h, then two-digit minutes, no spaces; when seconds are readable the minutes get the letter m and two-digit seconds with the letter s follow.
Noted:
9h42
